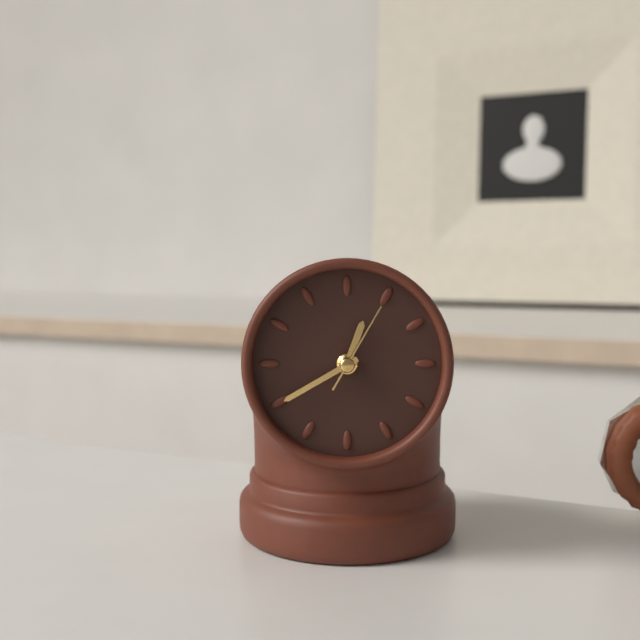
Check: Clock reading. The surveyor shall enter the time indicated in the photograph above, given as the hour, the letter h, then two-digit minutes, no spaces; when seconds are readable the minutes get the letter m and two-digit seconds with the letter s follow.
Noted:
12h40m05s
